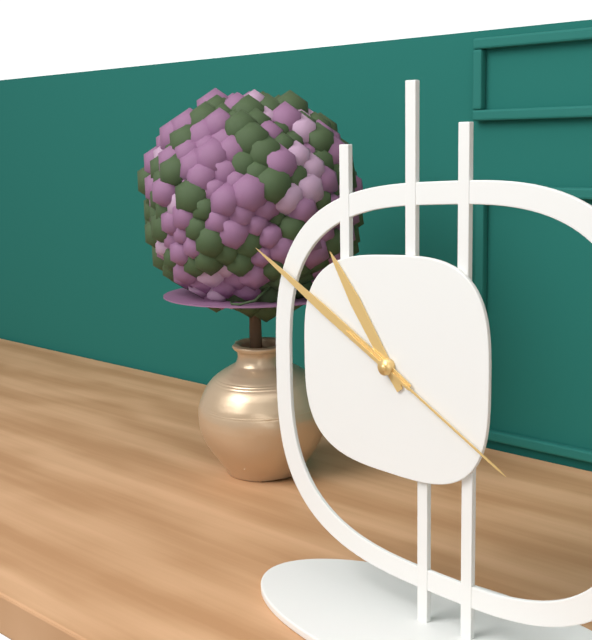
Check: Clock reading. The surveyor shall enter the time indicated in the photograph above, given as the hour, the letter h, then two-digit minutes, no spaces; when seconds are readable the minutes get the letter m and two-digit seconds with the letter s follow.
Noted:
10h50m20s
